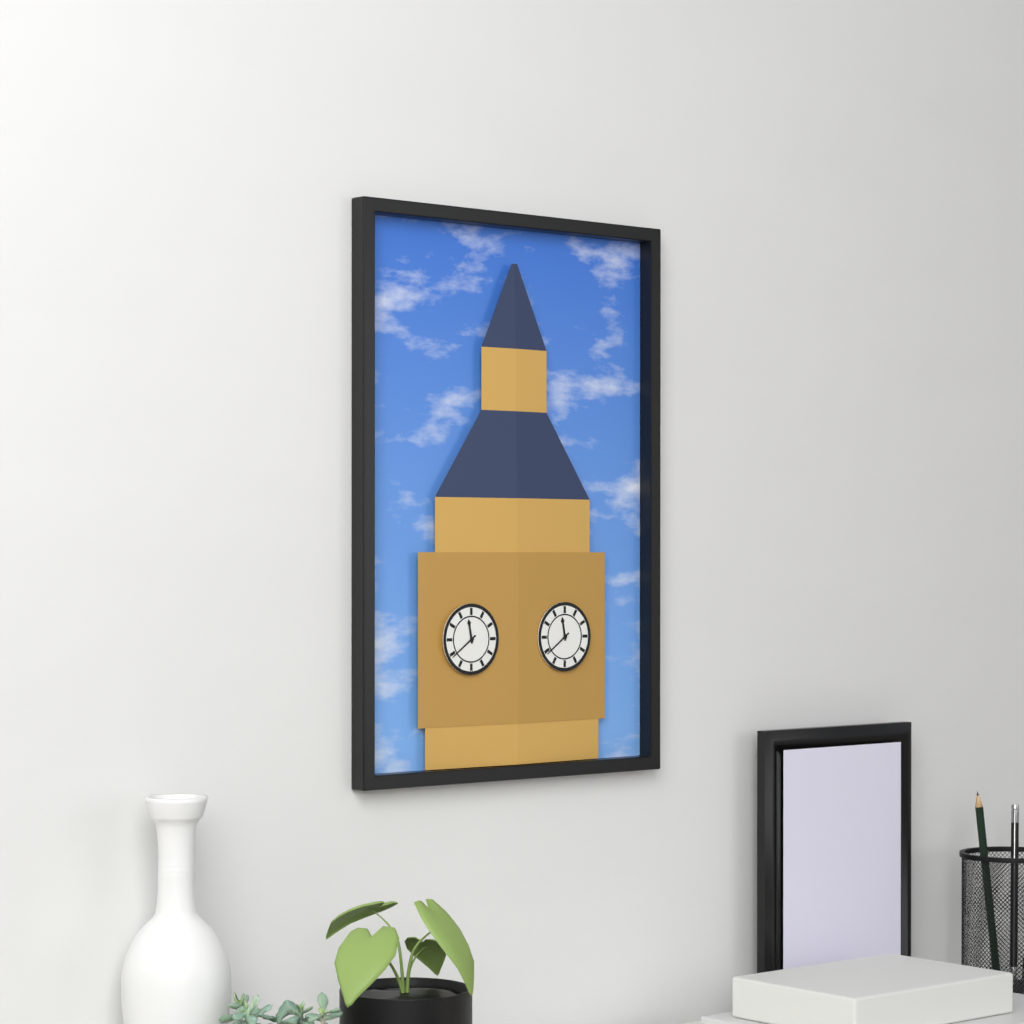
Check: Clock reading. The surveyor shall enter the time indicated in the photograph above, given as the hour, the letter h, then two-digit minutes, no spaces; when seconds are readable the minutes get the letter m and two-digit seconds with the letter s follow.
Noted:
11h39
